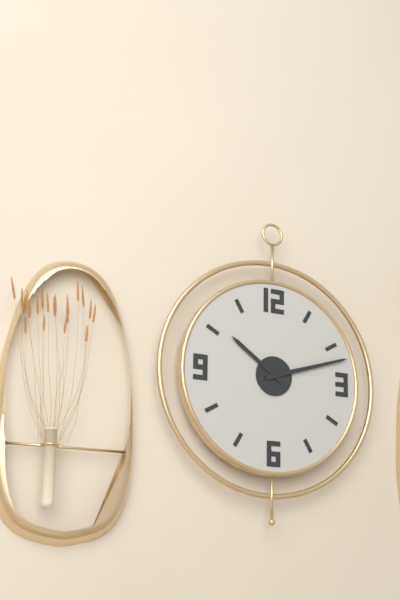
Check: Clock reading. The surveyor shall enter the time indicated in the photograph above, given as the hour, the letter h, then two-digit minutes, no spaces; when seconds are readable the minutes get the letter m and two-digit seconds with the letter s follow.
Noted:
10h12
